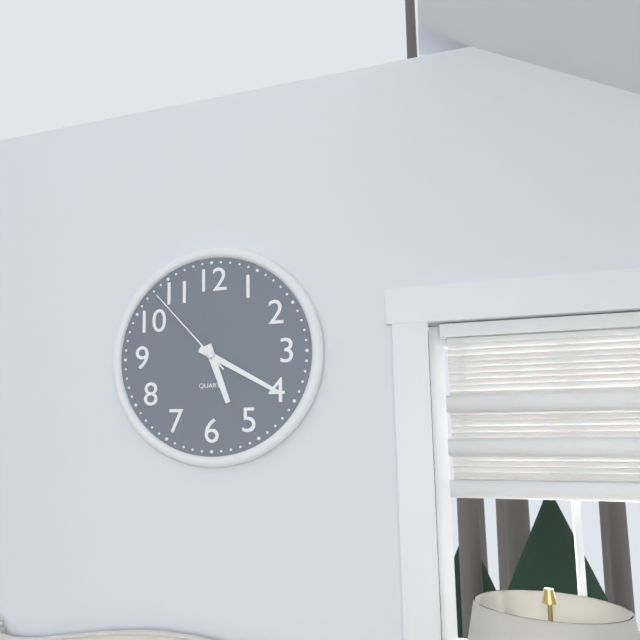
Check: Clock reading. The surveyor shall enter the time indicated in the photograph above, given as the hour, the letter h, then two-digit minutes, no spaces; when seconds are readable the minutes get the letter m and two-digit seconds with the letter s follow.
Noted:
5h20m53s
